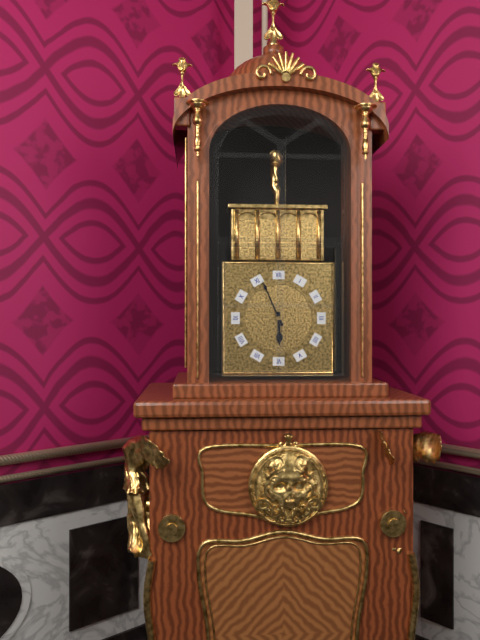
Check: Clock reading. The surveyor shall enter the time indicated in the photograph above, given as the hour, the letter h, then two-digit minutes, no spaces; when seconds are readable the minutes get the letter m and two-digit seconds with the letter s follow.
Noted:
5h56
